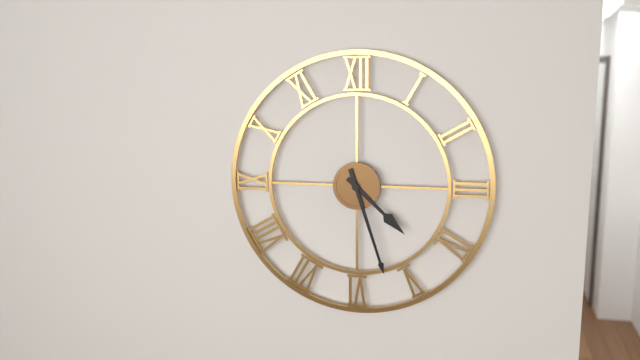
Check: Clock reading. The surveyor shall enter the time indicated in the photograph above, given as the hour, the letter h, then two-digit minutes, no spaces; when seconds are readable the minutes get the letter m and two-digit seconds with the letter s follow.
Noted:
4h27
